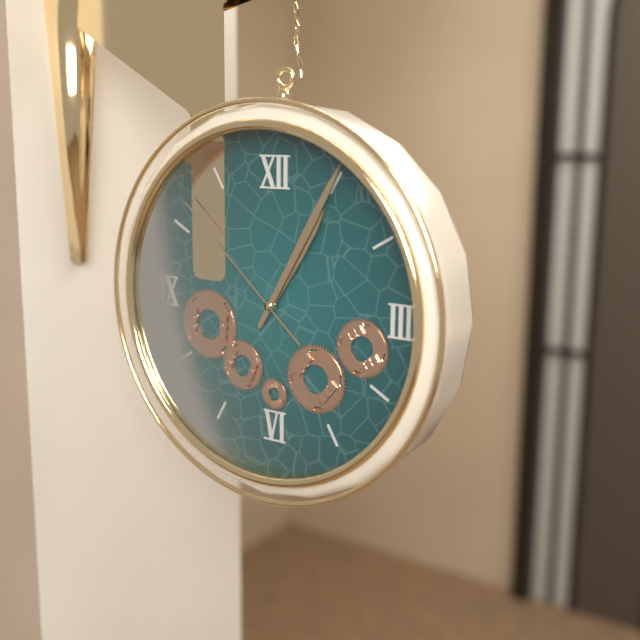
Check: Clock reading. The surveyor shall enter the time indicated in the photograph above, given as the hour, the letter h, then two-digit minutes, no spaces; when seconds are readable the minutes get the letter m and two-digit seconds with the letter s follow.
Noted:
1h05m52s
